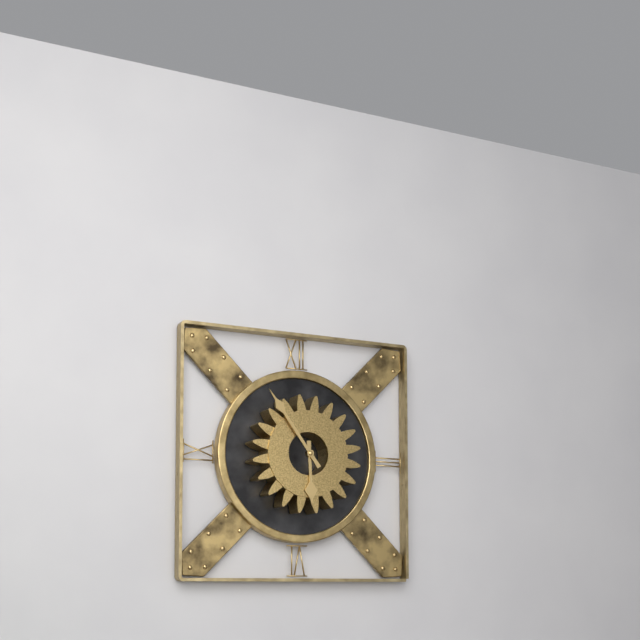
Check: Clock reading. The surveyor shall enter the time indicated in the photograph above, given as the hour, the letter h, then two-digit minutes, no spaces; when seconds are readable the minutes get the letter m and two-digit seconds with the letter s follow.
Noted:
5h54
